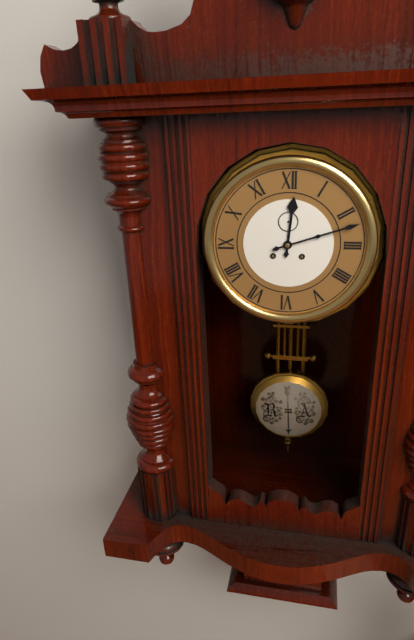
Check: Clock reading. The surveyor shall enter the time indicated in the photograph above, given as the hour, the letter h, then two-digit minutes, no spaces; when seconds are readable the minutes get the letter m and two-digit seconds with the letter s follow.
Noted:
12h12
